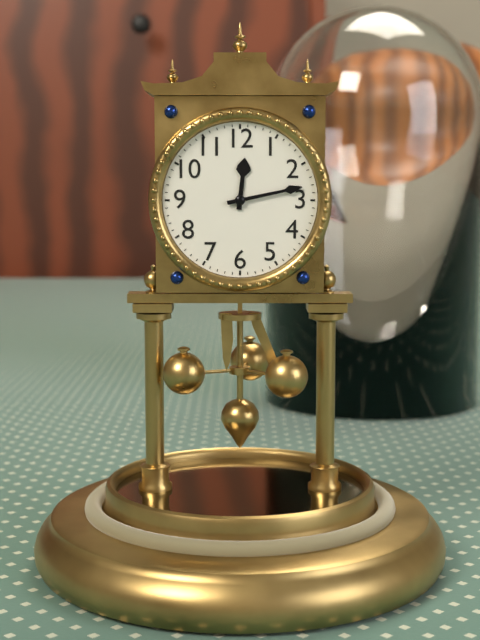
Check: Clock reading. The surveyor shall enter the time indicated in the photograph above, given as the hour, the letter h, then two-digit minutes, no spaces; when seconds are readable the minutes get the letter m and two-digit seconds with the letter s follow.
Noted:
12h13
